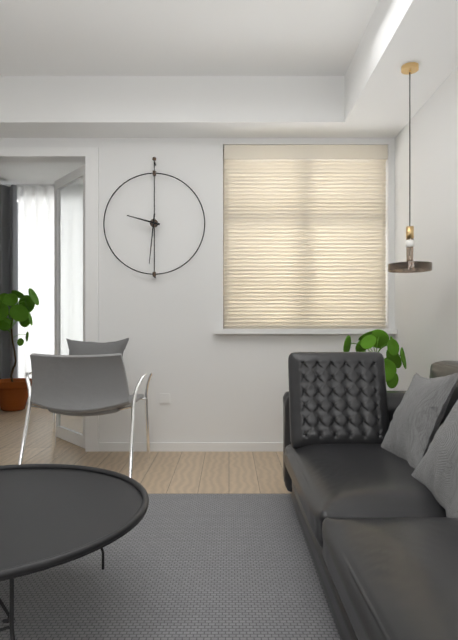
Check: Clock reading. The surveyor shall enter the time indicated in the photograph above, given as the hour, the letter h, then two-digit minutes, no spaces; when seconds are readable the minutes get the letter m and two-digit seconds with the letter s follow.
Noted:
9h31
